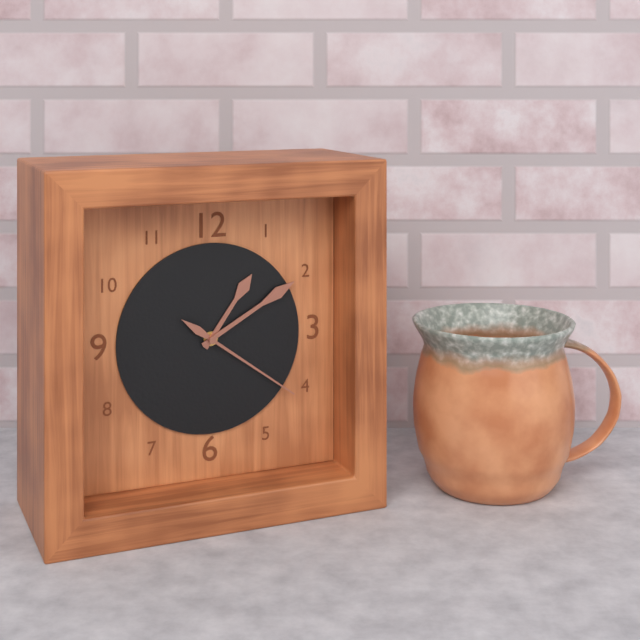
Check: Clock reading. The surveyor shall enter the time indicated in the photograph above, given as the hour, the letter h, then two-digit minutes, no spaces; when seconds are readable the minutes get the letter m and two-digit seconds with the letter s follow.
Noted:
1h10m21s
